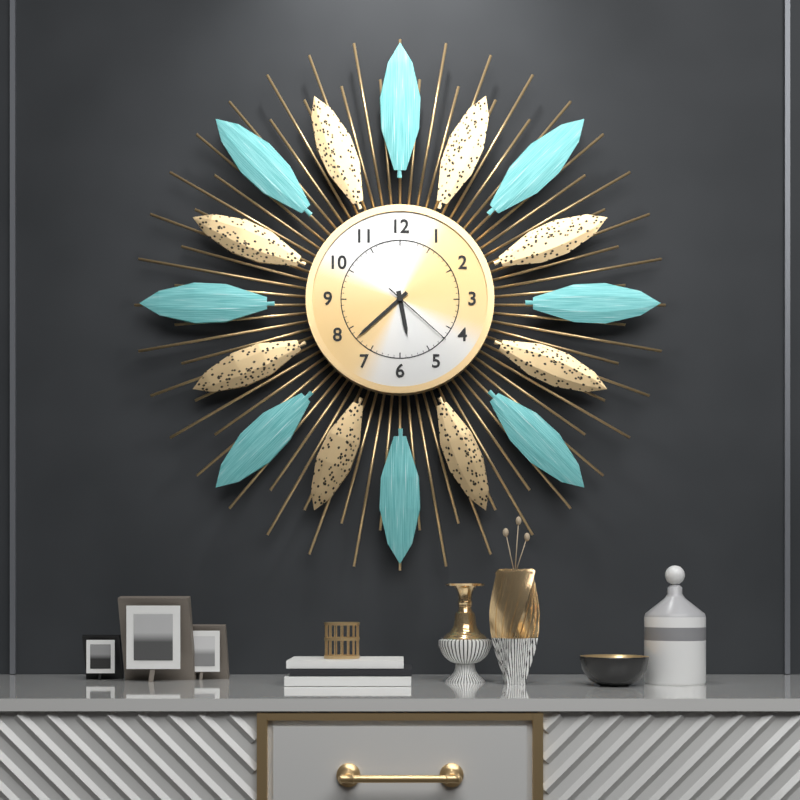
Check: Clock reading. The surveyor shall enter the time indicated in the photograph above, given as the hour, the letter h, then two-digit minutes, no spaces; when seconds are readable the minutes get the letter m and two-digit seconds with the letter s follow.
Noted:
5h38m22s
